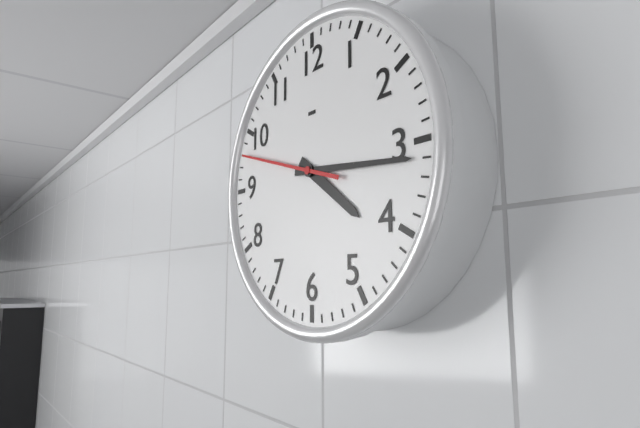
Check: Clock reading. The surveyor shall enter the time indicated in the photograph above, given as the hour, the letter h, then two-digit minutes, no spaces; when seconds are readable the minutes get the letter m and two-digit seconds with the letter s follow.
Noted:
4h16m48s
